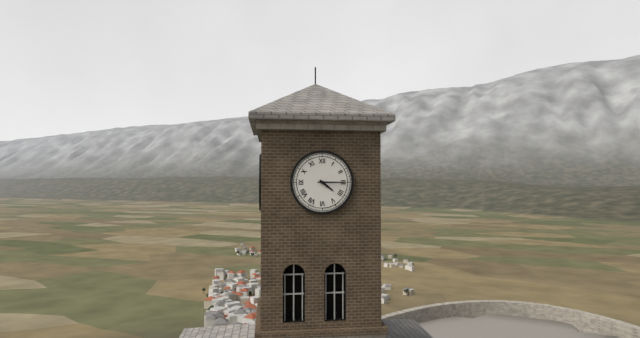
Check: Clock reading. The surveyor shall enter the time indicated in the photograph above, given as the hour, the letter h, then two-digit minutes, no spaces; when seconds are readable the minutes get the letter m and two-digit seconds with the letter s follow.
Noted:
4h15
